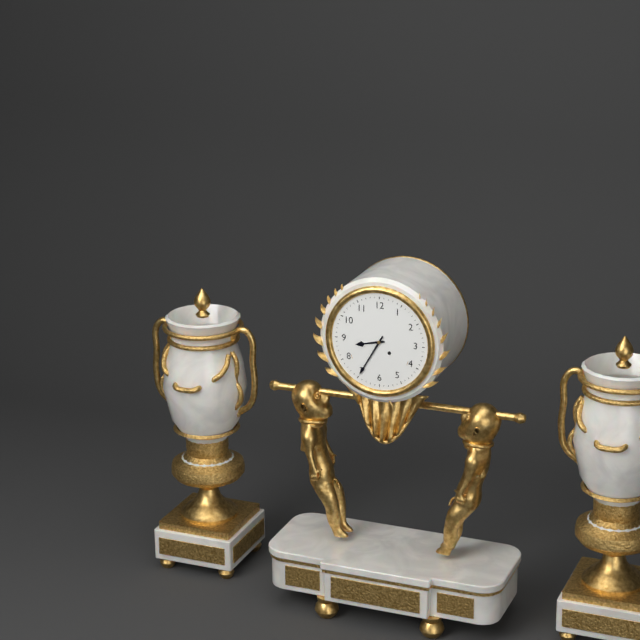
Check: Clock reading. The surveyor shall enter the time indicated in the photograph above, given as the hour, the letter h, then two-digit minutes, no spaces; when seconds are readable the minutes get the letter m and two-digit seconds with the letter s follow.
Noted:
8h35
